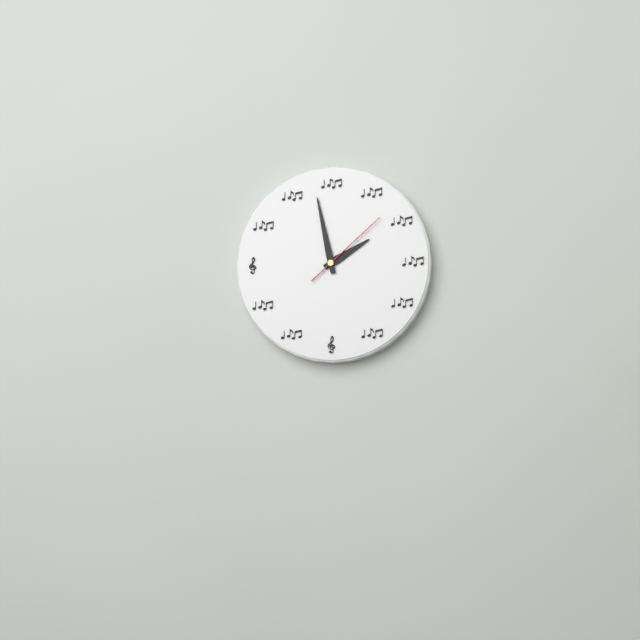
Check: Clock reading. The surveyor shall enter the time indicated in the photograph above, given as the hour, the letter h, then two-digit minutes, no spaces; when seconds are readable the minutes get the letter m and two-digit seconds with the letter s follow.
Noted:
1h58m08s
